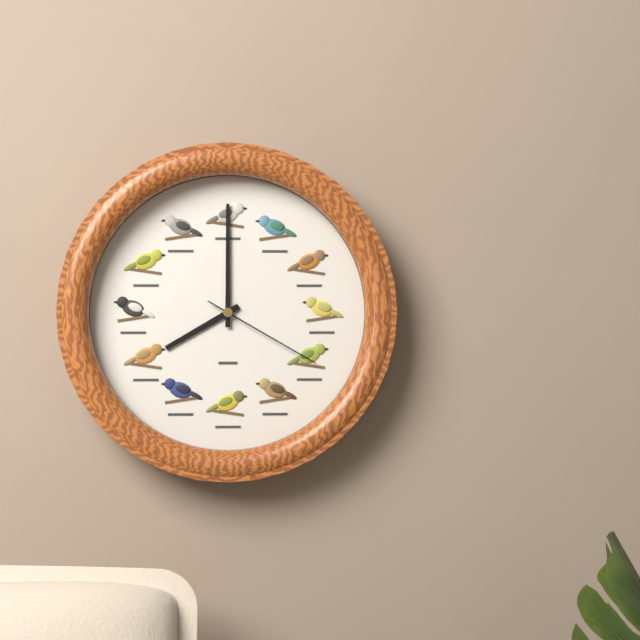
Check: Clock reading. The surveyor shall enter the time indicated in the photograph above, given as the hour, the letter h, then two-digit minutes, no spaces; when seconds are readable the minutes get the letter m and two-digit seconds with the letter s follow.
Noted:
8h00m20s
